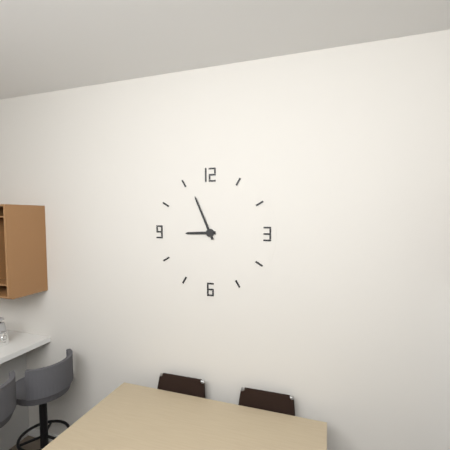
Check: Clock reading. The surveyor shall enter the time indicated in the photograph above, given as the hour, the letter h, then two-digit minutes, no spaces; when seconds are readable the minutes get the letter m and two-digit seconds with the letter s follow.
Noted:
8h56
